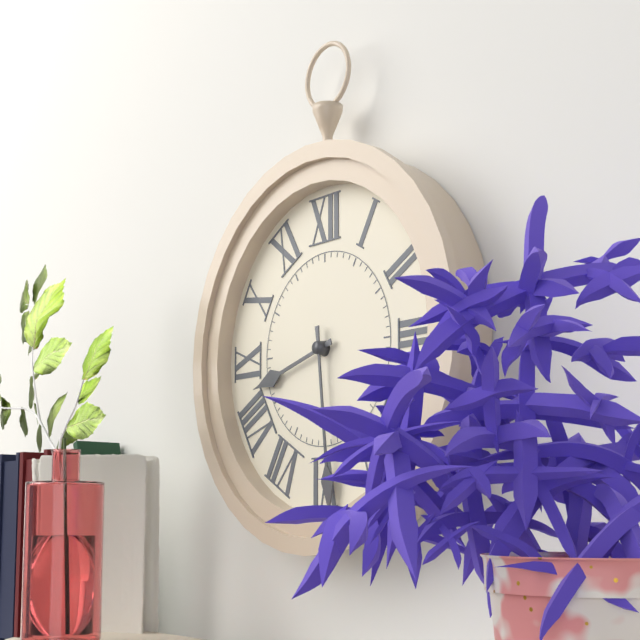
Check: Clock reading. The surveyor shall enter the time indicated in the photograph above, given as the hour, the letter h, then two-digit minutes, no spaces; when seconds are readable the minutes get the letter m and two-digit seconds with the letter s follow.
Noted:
8h29
